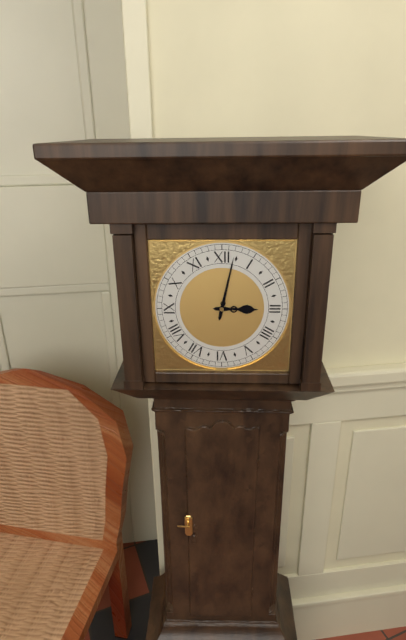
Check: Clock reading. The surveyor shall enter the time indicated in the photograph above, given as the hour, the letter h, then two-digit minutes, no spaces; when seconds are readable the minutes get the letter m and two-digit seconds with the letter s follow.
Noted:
3h02
